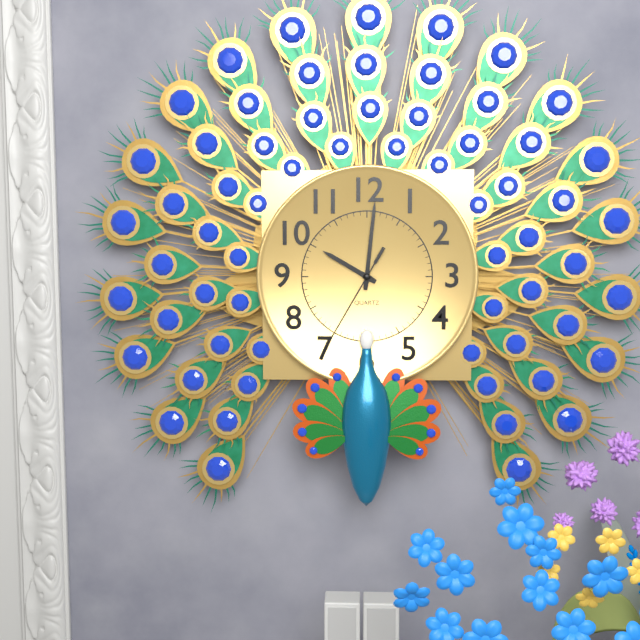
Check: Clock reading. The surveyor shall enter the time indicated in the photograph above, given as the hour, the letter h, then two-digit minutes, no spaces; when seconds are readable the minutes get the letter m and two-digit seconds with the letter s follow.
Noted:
10h01m35s
